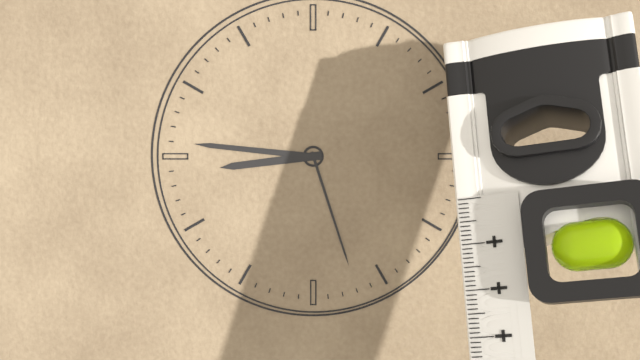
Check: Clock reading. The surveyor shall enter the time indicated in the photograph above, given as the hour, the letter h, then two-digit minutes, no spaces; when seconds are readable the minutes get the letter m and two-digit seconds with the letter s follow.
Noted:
8h46m27s
